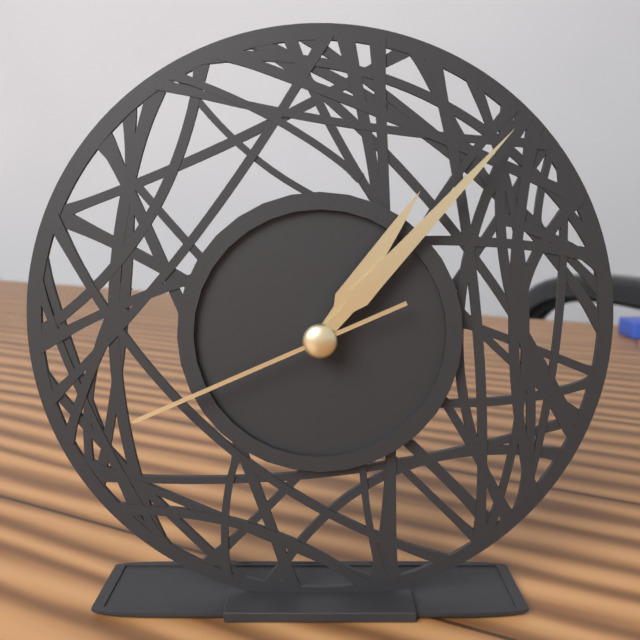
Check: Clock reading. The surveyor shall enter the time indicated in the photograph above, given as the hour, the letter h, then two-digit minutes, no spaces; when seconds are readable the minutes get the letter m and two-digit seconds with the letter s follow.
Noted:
1h07m41s
